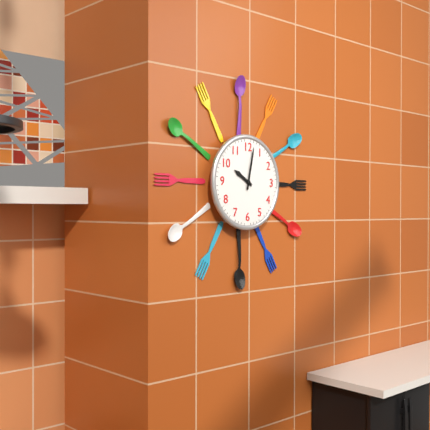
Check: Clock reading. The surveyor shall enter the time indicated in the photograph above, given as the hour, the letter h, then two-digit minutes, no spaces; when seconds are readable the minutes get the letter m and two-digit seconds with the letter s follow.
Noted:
10h02
